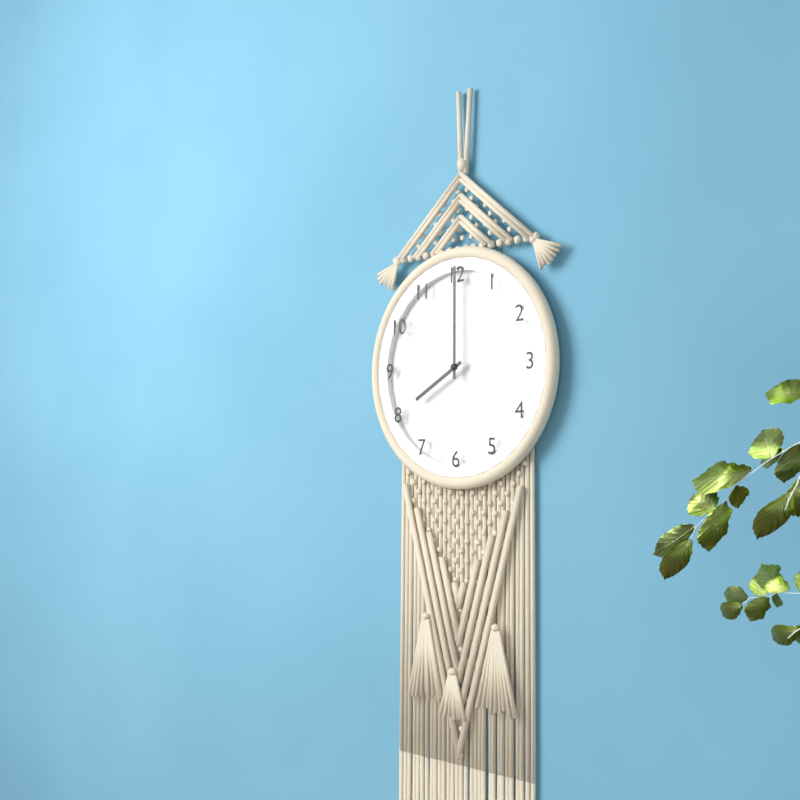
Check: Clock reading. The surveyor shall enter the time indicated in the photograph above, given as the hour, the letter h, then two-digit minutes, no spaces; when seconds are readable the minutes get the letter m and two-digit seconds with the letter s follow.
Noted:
8h00
